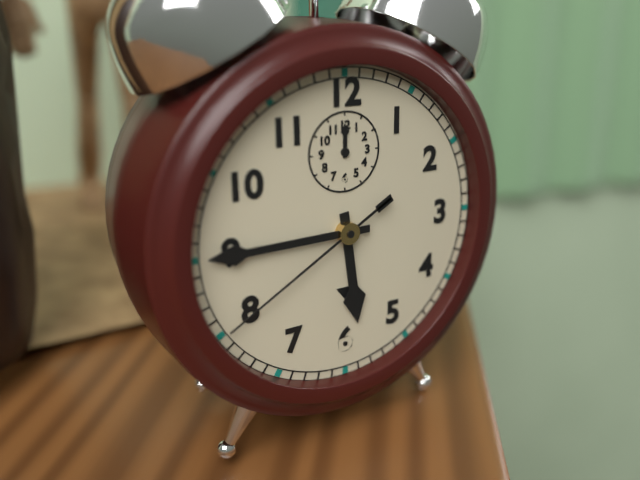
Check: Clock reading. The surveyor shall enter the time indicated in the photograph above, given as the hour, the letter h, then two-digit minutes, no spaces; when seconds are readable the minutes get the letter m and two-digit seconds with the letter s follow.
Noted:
5h45m40s
